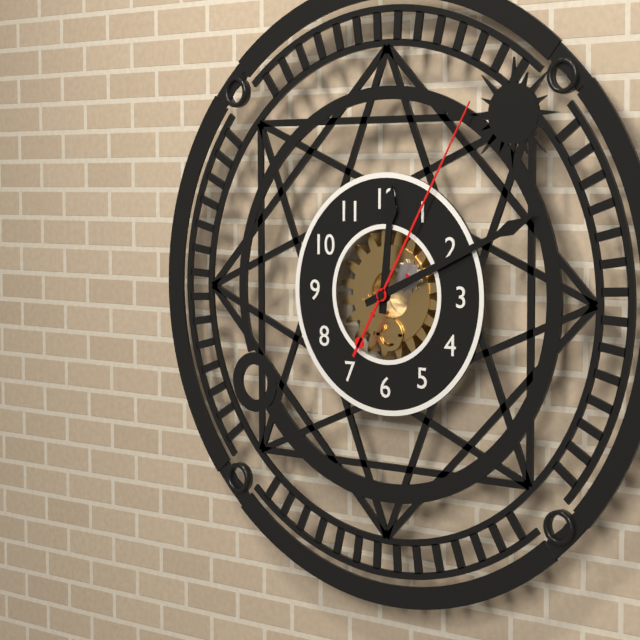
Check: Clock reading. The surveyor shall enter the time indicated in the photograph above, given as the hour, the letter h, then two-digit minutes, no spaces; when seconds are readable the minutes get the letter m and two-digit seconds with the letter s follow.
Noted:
12h11m05s
